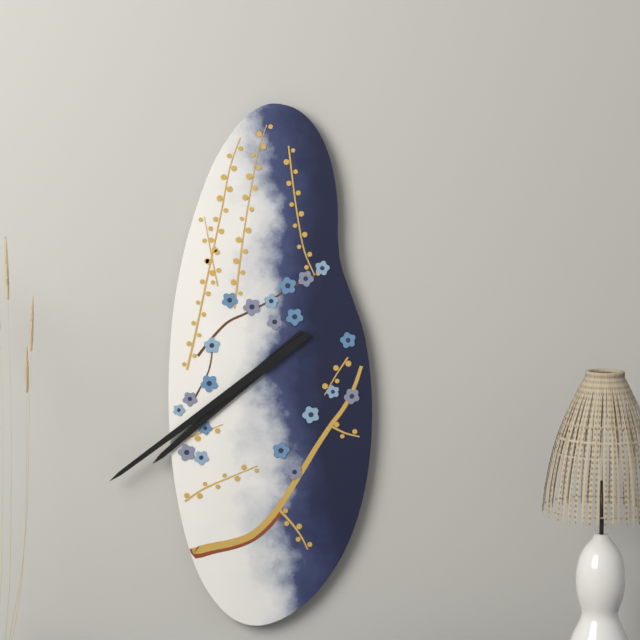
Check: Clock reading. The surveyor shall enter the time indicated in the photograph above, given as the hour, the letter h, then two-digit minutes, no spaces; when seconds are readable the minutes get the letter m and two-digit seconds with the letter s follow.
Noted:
7h39
